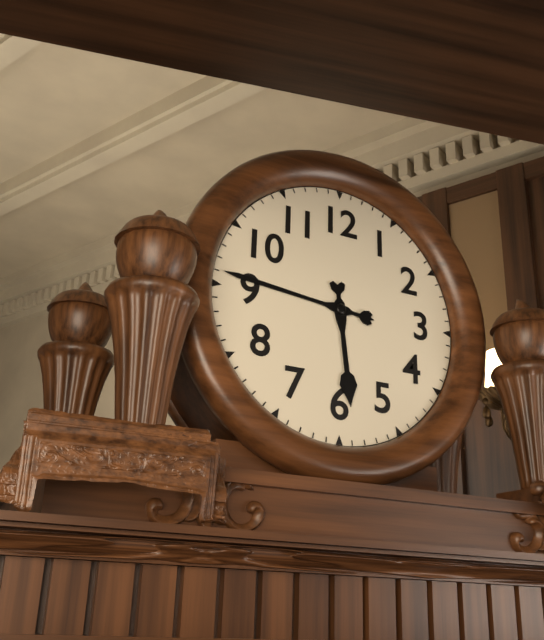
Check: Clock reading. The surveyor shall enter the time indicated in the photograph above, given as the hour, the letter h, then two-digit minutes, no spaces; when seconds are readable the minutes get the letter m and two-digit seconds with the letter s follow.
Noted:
5h46
